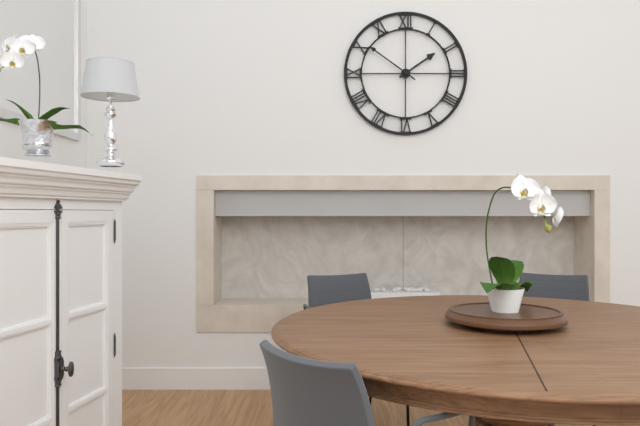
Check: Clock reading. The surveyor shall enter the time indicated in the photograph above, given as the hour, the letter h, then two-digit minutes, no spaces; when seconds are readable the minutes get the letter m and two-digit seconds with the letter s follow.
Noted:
1h51
